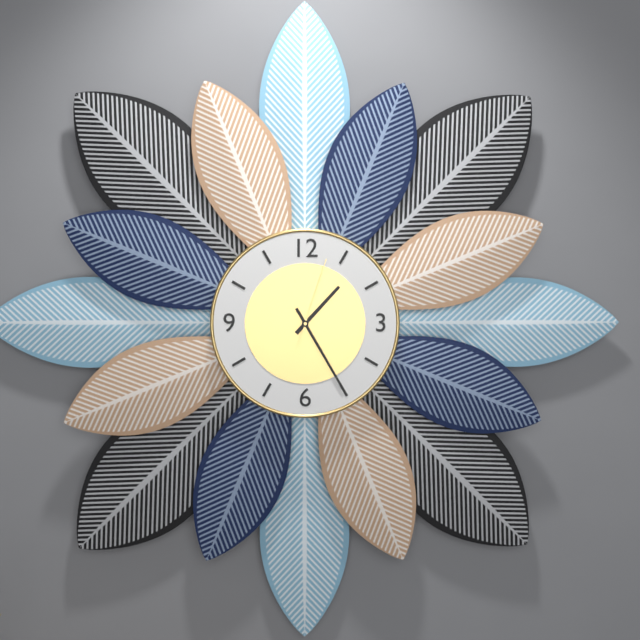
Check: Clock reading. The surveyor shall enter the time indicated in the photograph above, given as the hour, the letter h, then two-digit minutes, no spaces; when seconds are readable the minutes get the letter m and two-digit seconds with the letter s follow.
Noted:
1h25m03s
